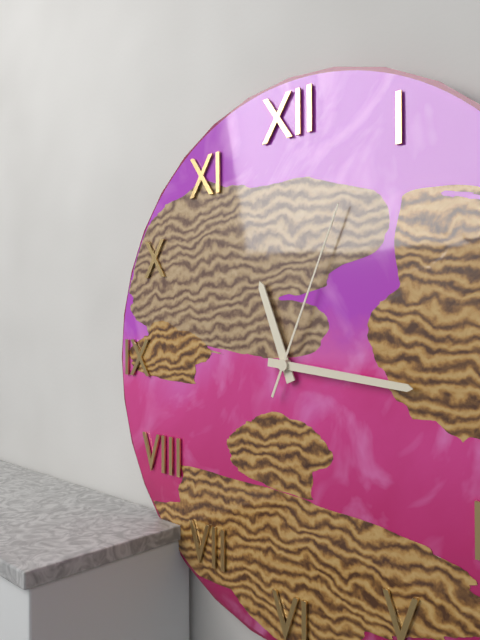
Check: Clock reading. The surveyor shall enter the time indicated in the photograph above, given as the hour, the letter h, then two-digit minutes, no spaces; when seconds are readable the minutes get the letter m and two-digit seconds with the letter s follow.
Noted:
11h16m04s
